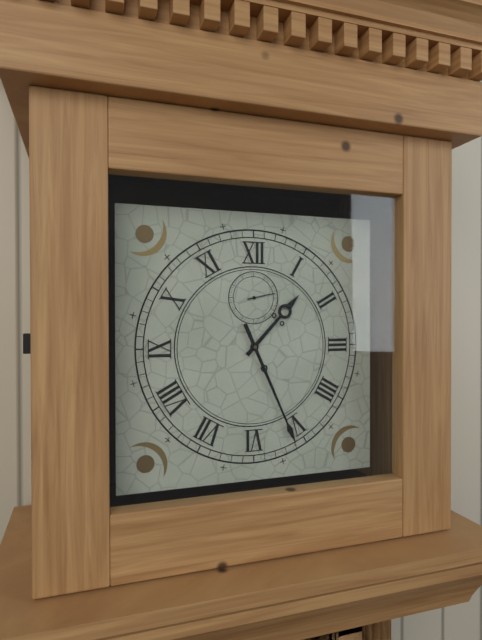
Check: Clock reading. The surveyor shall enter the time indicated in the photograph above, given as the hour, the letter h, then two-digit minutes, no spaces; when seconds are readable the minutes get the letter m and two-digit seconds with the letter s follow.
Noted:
1h26
